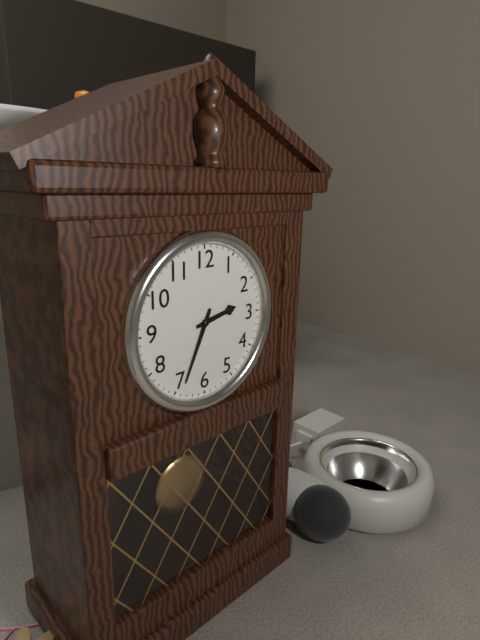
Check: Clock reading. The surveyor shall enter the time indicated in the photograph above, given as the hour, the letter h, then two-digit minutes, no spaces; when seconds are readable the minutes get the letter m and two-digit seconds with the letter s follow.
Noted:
2h34
